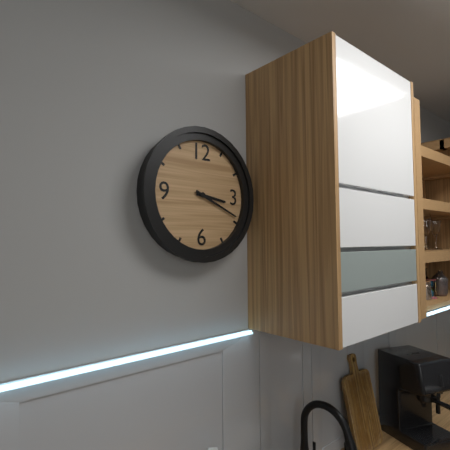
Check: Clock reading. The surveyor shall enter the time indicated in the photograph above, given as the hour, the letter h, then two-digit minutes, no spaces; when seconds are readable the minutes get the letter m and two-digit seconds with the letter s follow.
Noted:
3h19
